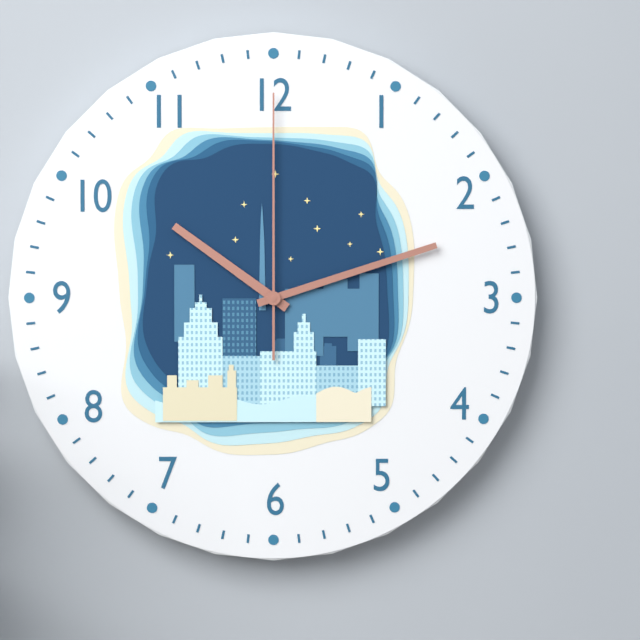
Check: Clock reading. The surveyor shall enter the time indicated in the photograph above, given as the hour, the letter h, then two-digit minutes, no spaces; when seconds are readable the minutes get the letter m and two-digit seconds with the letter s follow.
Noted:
10h12m00s
